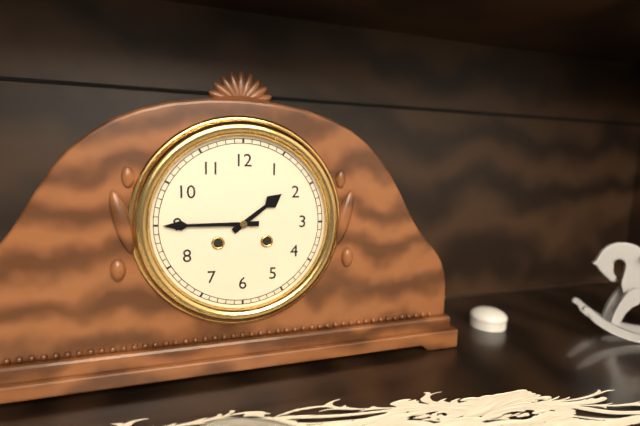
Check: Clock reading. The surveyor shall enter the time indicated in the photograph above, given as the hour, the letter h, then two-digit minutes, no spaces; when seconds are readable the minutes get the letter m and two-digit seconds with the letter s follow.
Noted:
1h45
